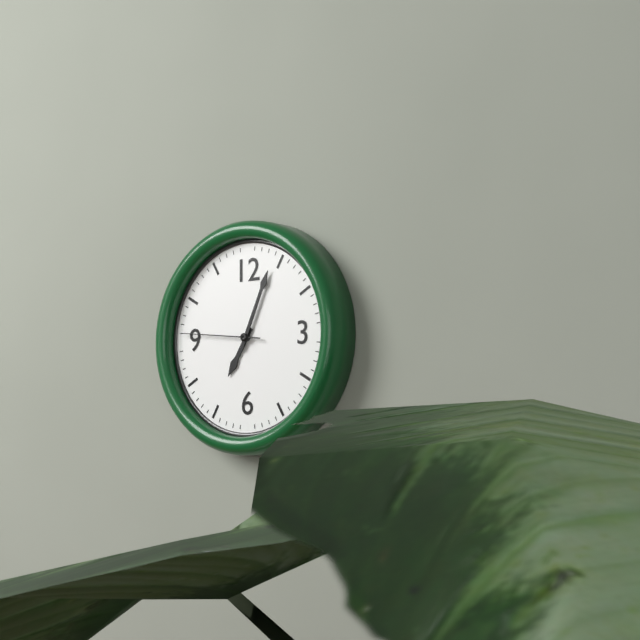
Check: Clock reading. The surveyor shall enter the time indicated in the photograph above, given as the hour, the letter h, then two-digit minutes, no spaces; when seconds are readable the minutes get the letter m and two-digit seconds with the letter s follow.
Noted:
7h04m46s
